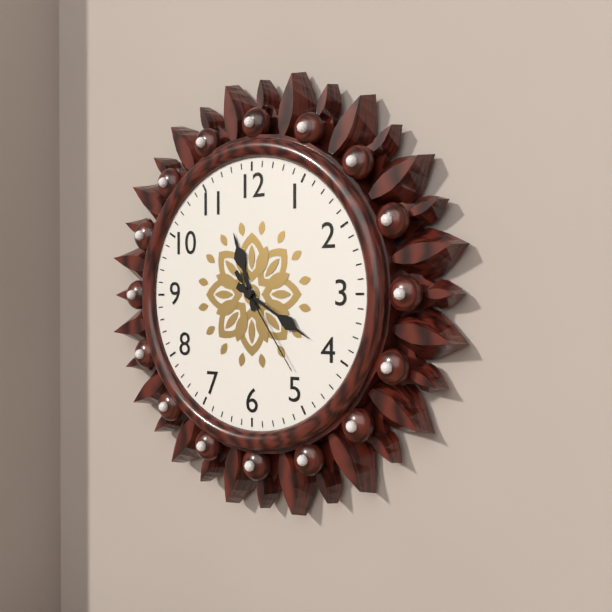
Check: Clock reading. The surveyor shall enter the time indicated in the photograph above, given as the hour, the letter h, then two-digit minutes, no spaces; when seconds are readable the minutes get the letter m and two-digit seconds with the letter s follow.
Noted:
11h20m24s
